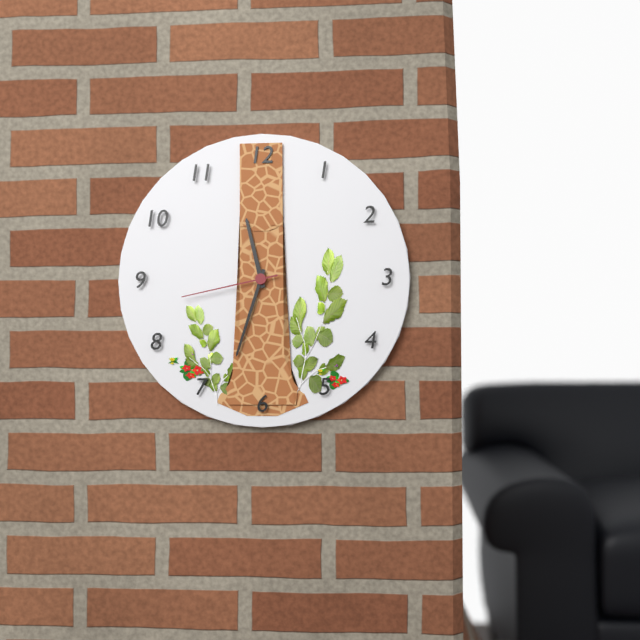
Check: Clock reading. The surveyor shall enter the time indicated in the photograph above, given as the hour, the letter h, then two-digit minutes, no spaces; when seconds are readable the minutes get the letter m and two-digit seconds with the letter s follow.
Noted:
11h33m43s
